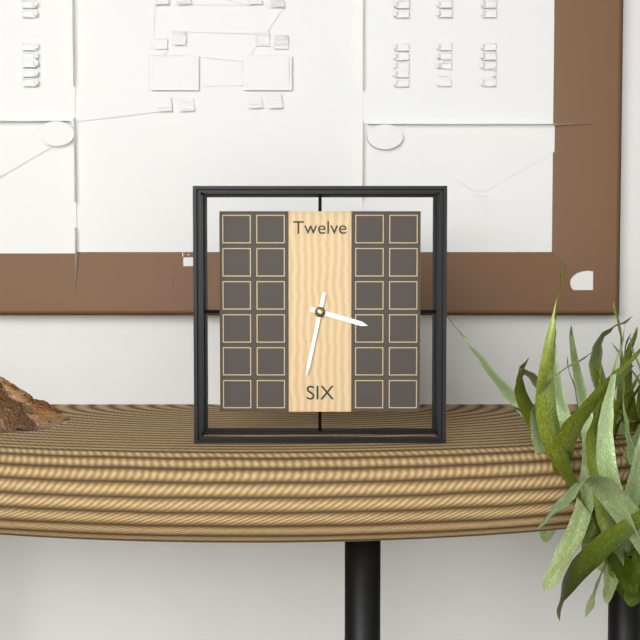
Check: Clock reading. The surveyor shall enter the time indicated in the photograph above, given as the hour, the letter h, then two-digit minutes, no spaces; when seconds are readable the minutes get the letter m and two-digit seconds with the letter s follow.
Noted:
3h32
